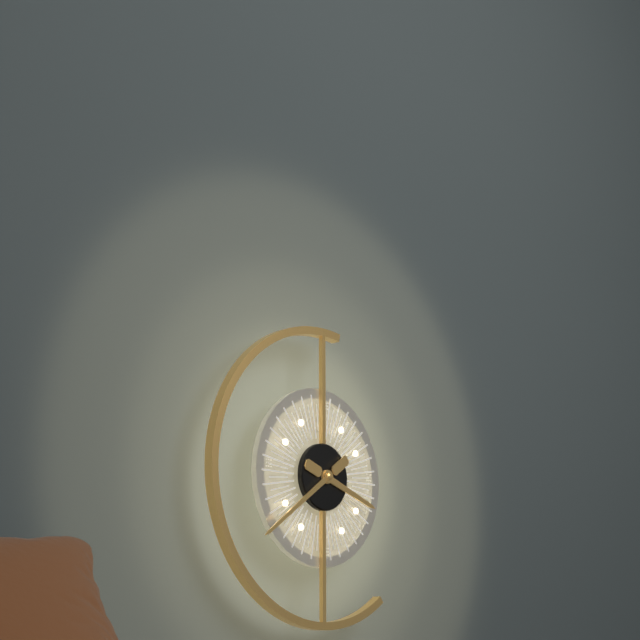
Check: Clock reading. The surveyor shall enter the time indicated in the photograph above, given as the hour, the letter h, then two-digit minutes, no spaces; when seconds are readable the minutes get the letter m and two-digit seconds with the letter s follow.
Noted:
3h39
